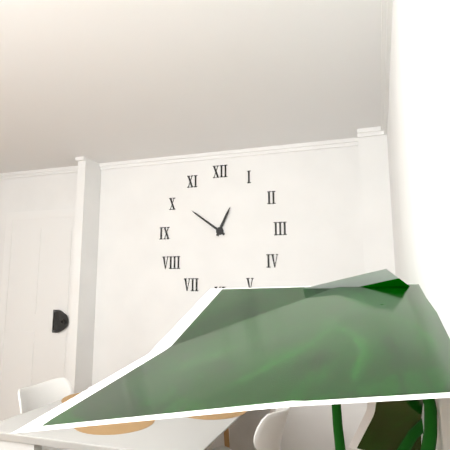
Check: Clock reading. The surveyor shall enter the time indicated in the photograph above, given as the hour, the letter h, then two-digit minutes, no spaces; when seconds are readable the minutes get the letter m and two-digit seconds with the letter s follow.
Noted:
12h51
